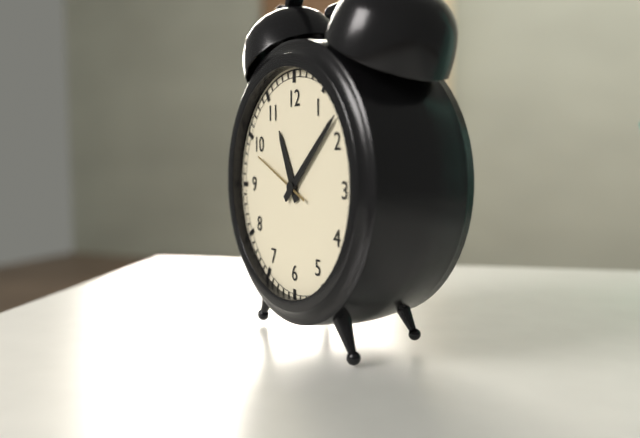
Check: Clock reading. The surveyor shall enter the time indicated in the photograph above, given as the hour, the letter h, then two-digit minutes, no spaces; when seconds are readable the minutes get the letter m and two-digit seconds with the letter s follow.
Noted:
11h08m49s
